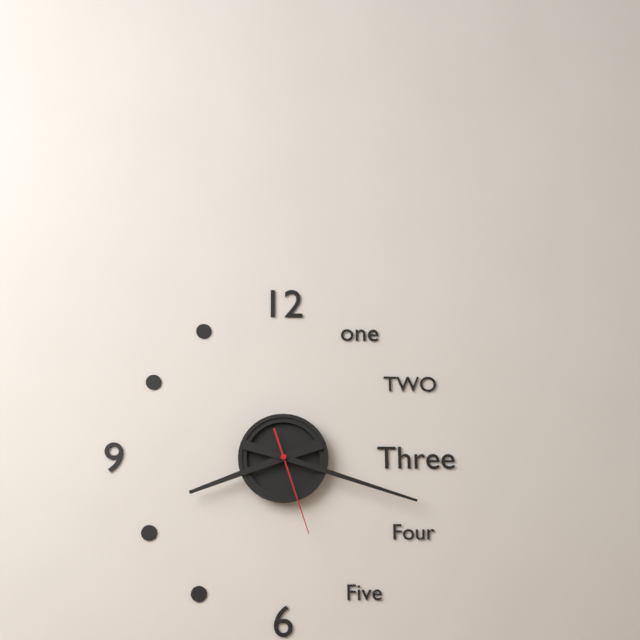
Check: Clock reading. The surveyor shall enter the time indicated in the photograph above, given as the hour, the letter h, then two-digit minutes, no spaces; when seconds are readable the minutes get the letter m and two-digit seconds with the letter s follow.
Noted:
8h18m27s
